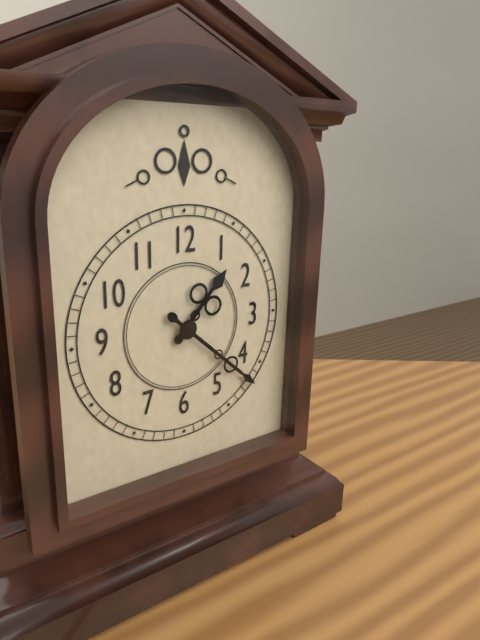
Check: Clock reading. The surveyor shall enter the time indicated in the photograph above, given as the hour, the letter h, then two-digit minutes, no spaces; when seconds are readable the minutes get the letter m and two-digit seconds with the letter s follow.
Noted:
1h22
